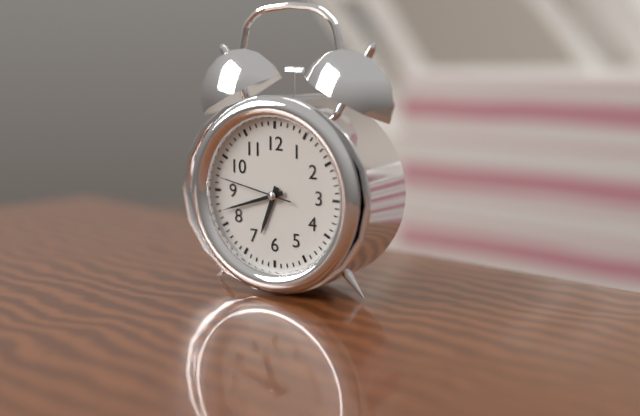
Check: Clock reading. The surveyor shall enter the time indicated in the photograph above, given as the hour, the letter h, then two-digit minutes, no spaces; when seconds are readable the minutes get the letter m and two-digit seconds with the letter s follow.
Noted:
6h42m47s
